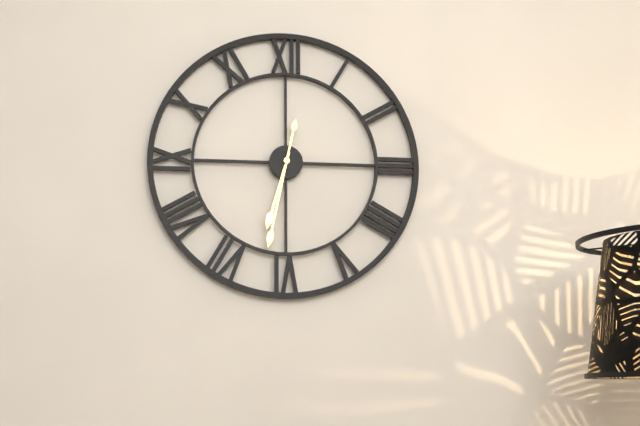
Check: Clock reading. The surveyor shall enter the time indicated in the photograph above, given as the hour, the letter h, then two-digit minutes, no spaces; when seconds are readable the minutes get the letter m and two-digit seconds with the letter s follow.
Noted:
6h32
